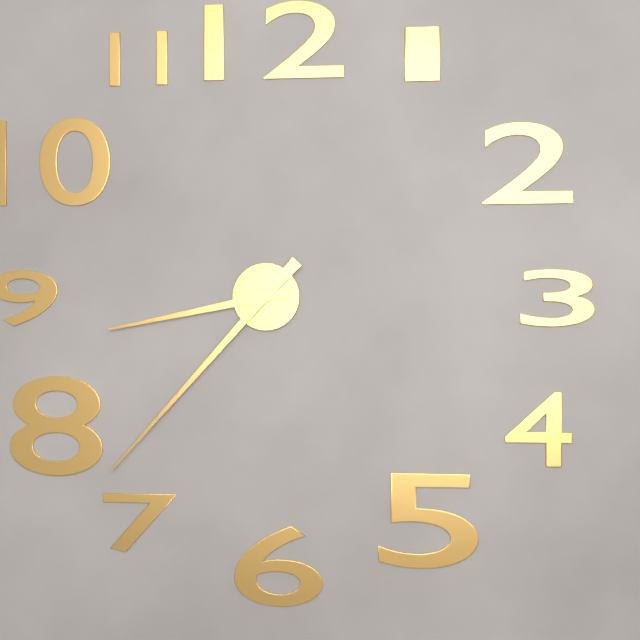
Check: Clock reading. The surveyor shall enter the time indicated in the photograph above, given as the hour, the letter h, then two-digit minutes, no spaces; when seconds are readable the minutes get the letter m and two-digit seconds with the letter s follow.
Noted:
8h37
